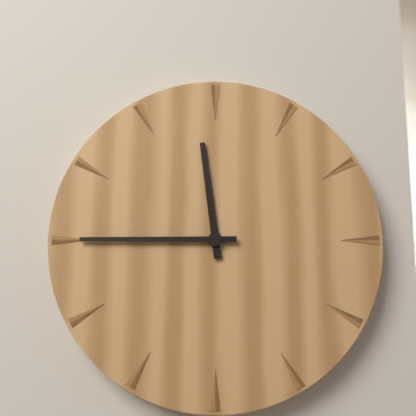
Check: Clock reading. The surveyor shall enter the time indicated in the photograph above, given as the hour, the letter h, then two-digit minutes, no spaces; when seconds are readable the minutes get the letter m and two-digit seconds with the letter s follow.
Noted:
11h45
